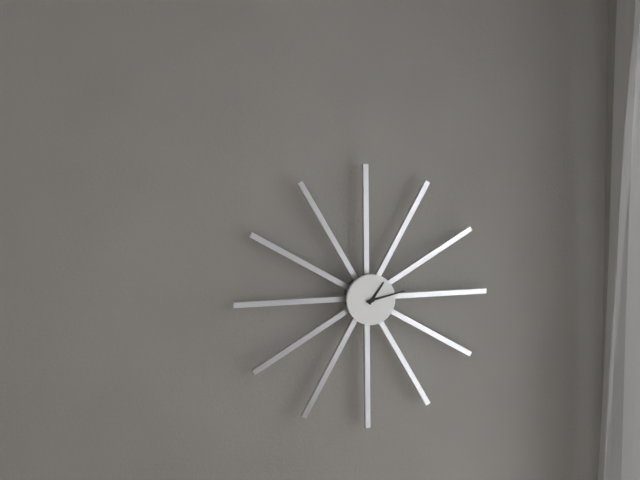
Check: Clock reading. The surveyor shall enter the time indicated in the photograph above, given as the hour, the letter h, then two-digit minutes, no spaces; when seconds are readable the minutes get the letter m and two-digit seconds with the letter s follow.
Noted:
1h13
